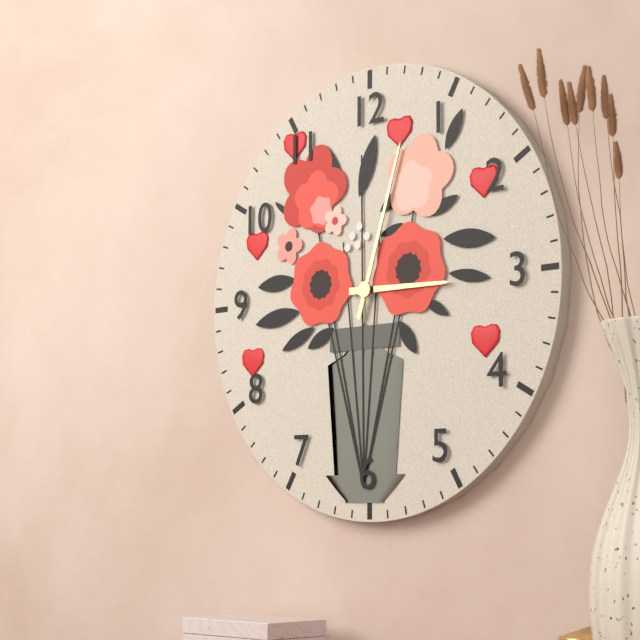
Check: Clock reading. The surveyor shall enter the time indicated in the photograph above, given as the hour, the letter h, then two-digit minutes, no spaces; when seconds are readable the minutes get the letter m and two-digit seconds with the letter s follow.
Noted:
3h03
